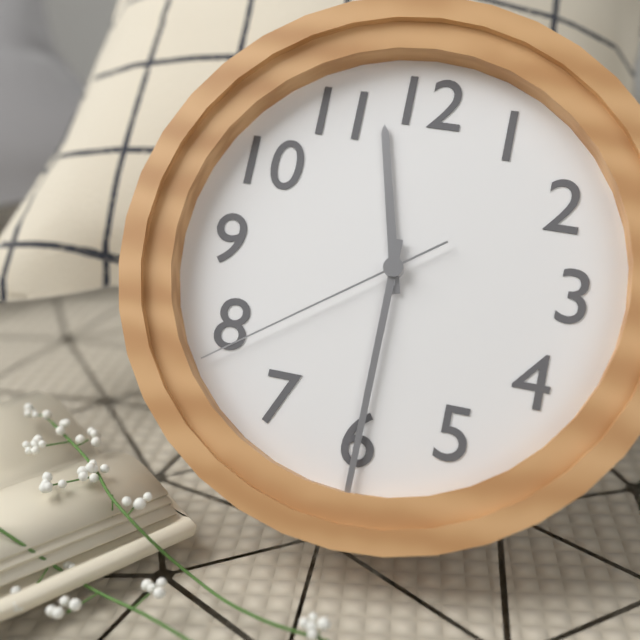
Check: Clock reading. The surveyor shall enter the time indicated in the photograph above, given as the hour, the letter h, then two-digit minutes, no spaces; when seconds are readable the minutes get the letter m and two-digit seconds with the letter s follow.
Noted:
11h30m39s
